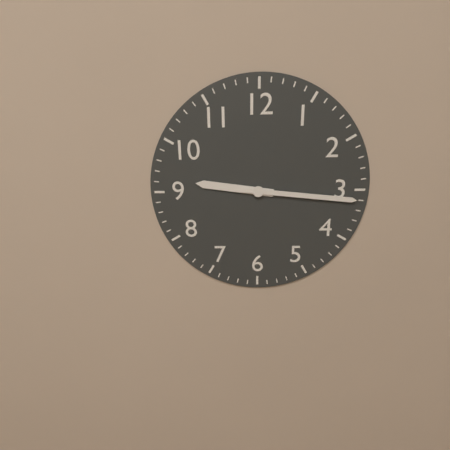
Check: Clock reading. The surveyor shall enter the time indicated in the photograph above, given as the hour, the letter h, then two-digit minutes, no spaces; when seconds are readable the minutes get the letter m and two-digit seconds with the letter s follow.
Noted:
9h16
